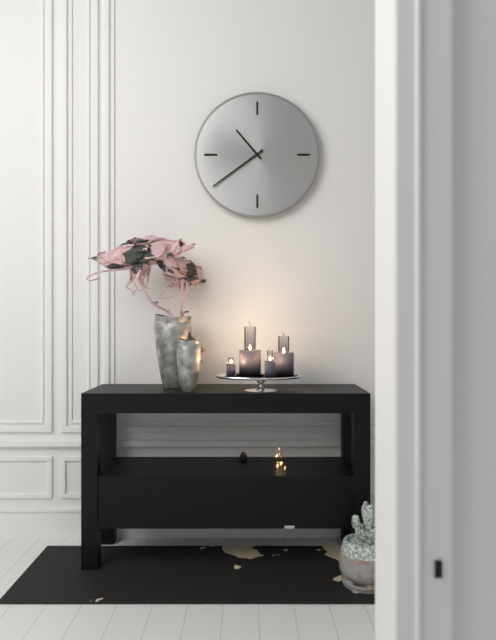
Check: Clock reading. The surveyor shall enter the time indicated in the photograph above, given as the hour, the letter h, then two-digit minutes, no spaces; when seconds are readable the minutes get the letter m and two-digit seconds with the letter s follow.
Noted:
10h39
